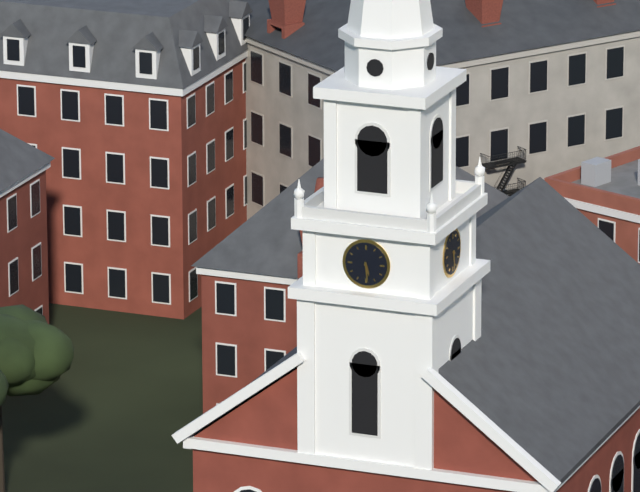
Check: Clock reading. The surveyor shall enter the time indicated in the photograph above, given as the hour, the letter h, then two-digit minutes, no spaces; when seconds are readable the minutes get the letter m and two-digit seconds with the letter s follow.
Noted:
5h29
